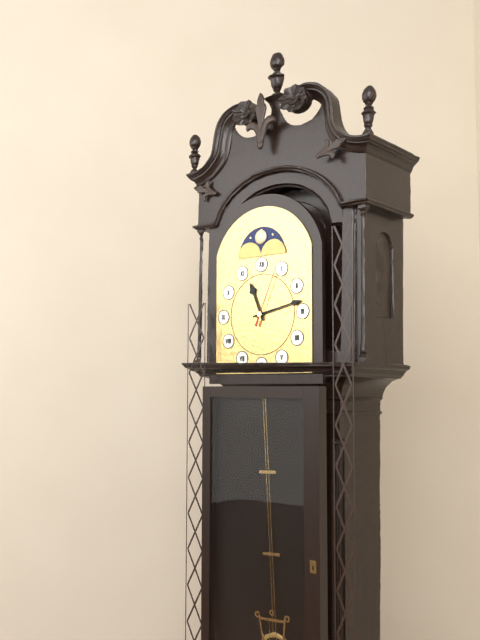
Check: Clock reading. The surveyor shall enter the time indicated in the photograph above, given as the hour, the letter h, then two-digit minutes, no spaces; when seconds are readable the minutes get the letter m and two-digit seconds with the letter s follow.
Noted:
11h13m04s
